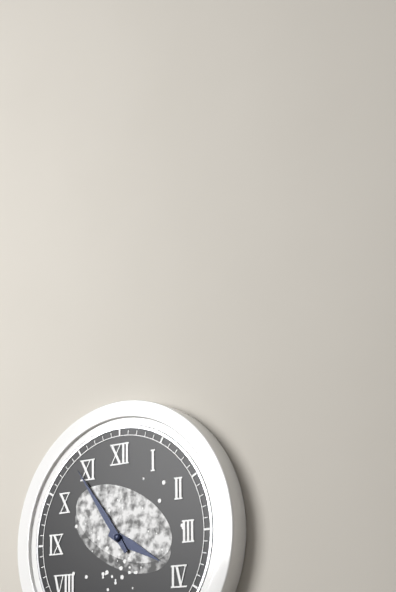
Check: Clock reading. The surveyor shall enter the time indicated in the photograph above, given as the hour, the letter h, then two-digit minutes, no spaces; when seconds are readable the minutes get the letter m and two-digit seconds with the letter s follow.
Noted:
3h54
